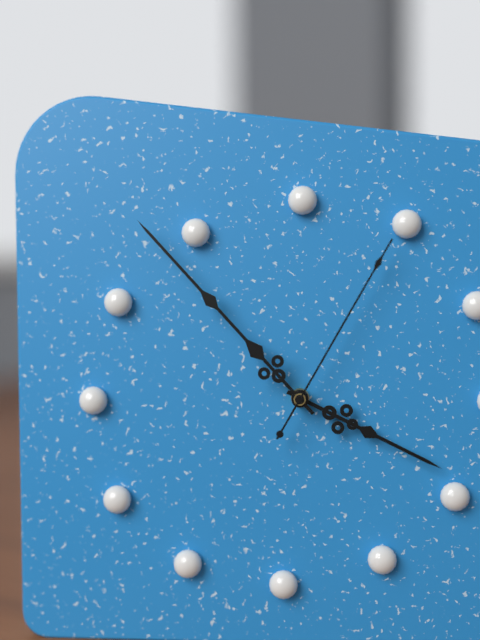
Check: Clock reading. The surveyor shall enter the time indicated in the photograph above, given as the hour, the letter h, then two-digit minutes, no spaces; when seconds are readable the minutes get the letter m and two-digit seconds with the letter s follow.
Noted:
3h53m05s
